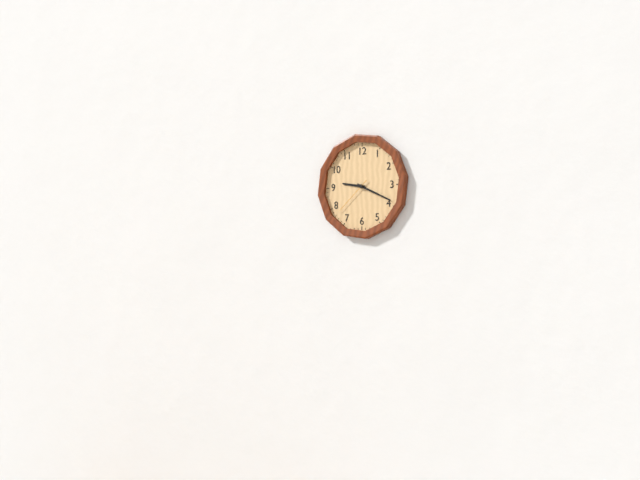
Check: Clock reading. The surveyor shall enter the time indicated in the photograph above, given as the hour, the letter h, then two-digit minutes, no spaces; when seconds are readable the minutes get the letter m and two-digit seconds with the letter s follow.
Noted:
9h19
